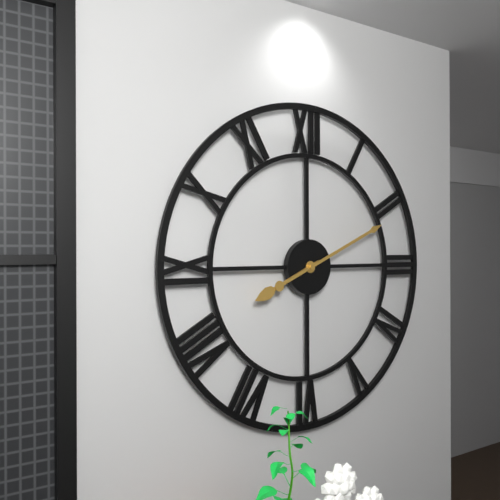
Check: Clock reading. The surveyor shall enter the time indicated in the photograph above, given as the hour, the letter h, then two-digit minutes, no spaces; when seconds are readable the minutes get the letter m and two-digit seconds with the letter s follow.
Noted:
8h11
